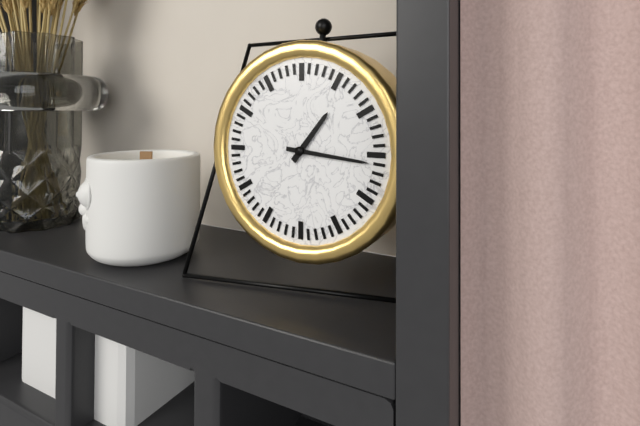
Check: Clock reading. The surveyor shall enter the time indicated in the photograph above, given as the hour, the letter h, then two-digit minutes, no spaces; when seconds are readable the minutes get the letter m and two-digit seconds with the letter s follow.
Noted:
1h16
